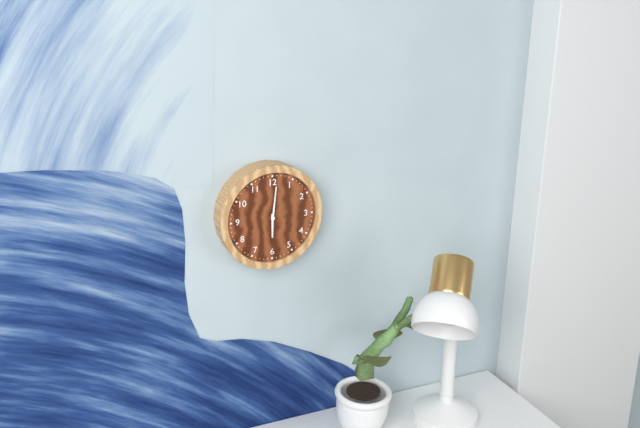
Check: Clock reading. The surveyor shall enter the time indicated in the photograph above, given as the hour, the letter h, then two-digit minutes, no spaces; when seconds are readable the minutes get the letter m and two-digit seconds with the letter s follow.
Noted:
6h01
